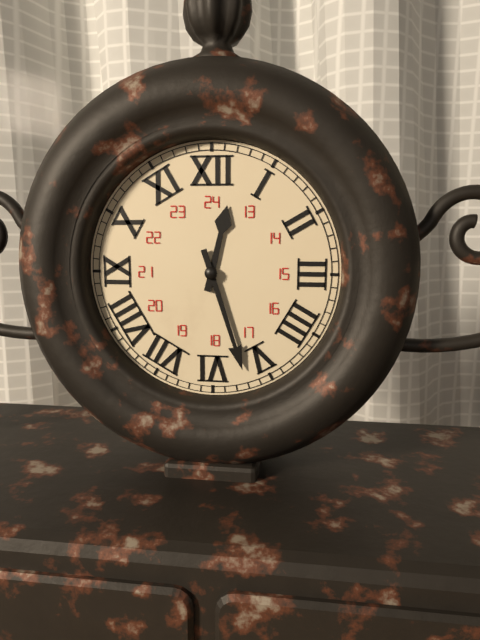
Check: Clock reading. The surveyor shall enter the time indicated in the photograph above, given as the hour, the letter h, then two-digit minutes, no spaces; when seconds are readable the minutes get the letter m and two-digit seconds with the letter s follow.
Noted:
12h27
